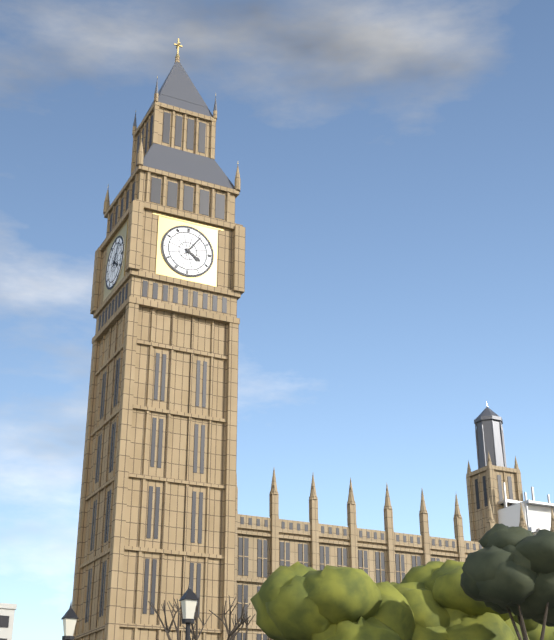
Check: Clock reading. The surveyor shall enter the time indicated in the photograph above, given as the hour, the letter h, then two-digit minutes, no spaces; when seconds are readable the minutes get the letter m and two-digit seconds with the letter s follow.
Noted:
4h06
